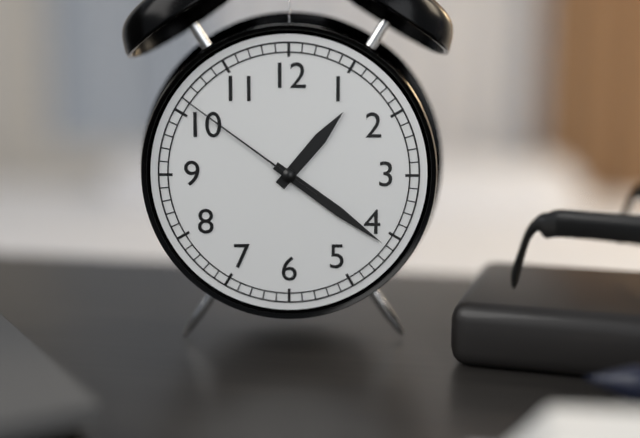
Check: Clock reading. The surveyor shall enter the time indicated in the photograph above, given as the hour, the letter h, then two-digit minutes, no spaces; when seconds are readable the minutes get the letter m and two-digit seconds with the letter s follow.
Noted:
1h21m51s
